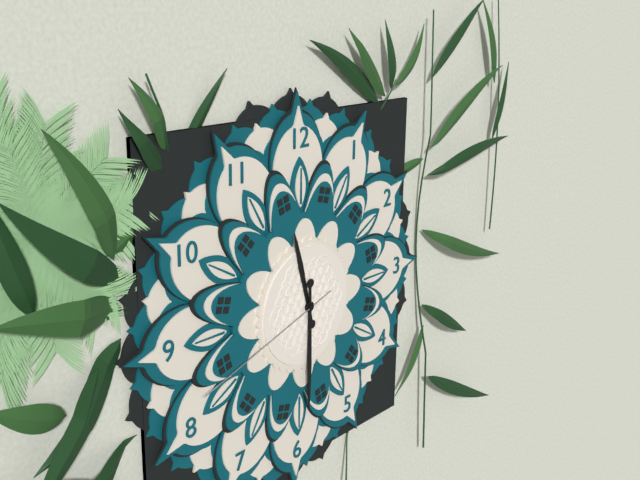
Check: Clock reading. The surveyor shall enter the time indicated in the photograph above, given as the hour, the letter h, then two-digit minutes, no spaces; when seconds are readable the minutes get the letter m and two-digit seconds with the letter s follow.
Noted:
11h30m42s
